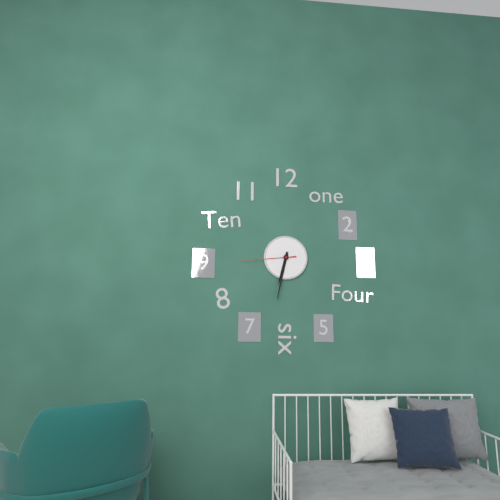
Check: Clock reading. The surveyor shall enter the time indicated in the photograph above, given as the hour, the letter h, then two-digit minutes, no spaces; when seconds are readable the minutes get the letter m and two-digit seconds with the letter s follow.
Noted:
6h32m44s
